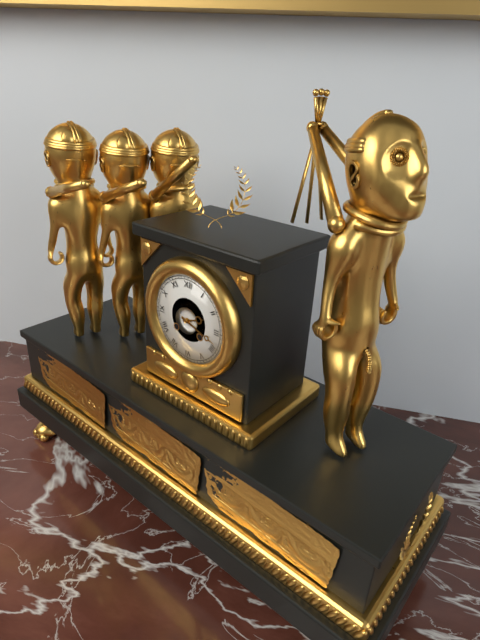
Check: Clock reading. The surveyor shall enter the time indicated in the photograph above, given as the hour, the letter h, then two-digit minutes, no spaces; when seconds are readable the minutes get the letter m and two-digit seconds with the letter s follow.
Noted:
2h18
